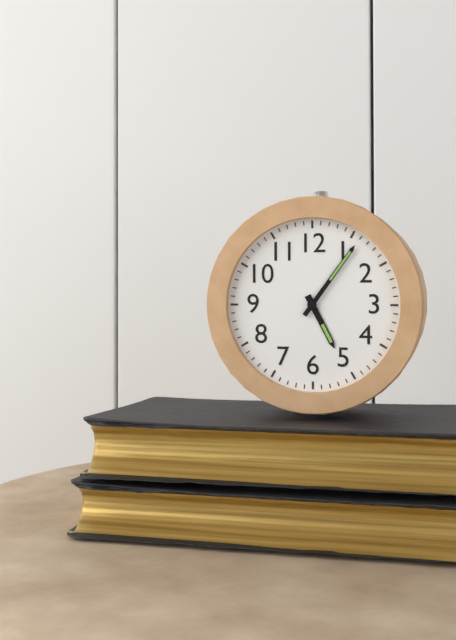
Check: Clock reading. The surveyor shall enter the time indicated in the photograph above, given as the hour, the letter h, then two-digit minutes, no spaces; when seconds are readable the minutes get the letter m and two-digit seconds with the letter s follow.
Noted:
5h06
